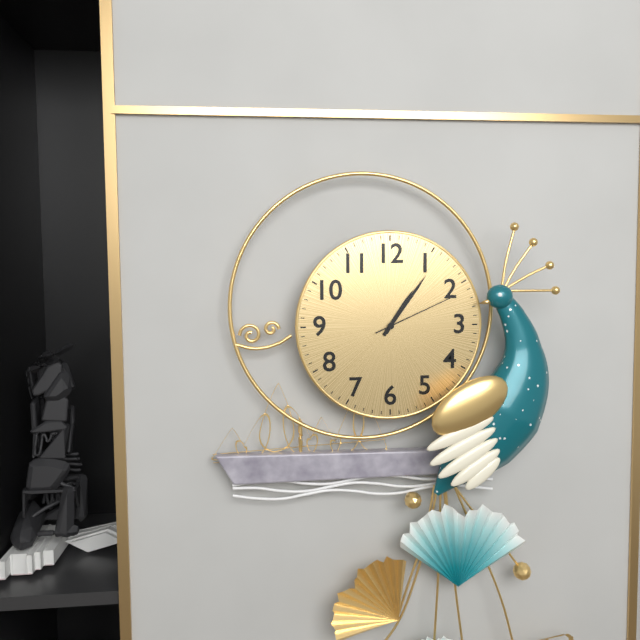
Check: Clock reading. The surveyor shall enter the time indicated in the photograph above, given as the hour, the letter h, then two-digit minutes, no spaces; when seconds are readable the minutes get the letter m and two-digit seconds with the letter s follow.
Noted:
1h06m11s
